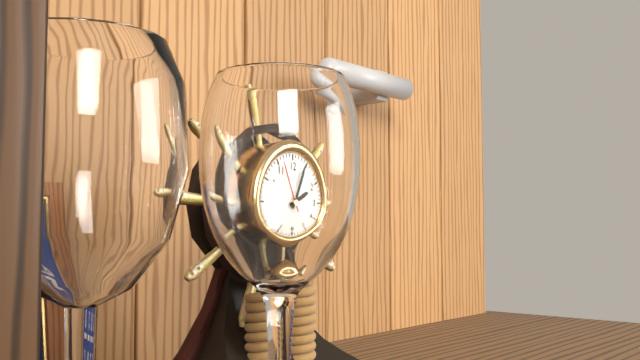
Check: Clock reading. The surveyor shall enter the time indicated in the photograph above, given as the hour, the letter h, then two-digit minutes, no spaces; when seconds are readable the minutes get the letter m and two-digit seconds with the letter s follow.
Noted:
2h04m56s
